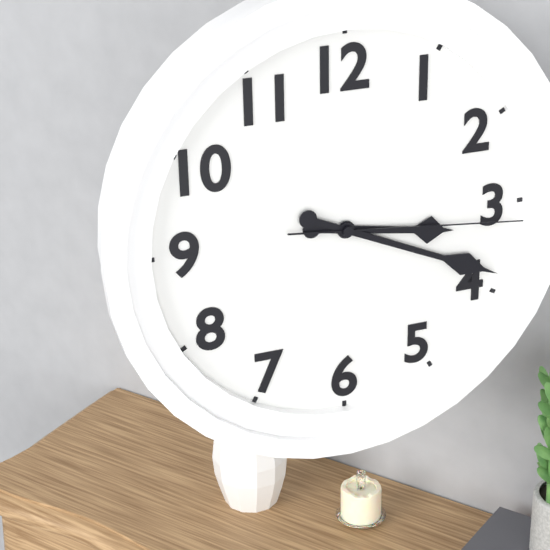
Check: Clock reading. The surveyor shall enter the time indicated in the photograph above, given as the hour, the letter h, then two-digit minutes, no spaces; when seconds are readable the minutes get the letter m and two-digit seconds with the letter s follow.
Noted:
3h19m16s
